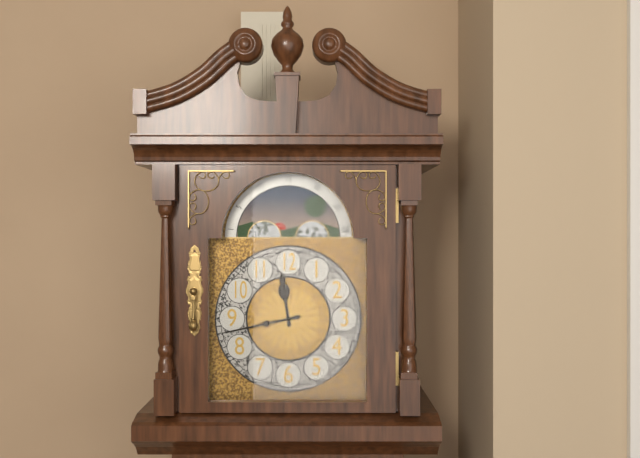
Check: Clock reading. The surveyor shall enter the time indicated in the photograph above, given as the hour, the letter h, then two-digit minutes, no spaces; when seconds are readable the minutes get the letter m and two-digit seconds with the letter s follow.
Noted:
11h43
